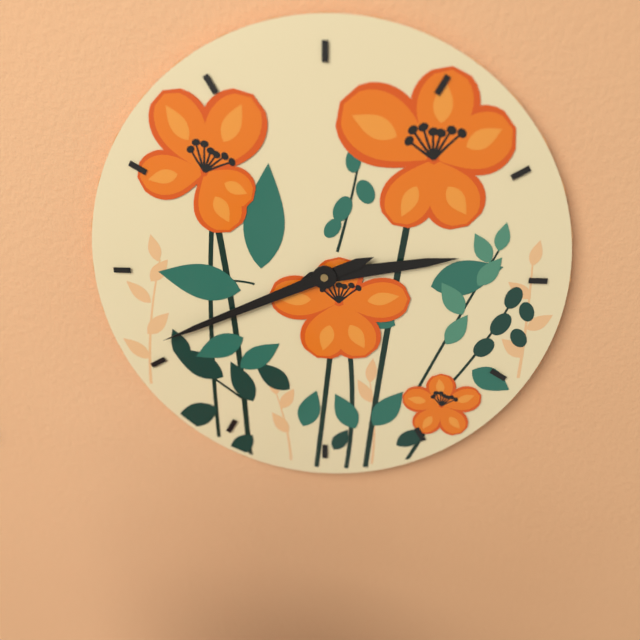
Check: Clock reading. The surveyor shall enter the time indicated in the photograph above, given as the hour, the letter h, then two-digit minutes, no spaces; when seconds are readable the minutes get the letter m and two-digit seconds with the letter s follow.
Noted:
2h41
